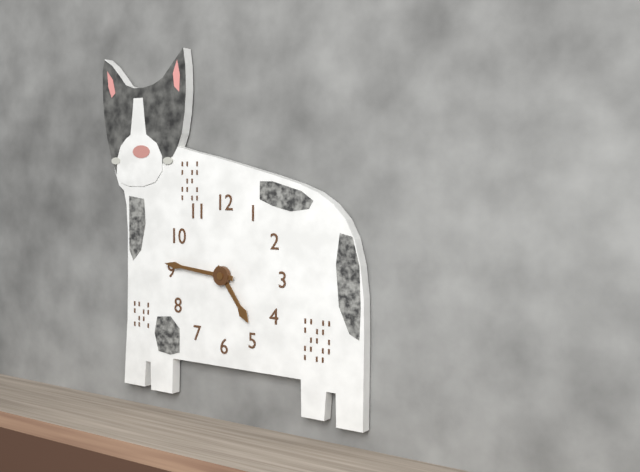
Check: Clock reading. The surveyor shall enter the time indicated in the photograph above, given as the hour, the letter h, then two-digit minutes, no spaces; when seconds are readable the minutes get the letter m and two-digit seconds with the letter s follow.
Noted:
4h46
